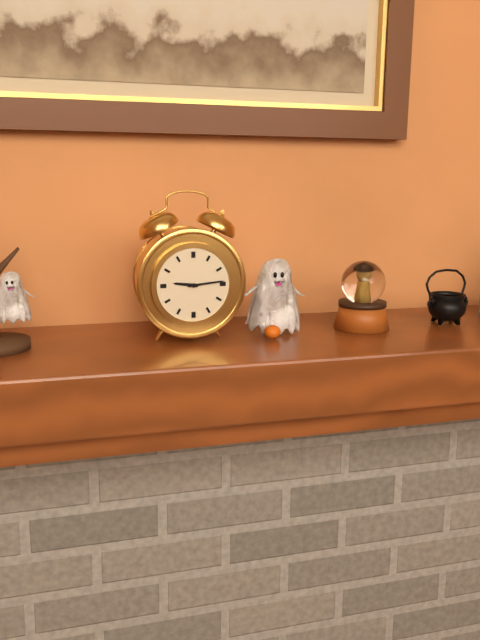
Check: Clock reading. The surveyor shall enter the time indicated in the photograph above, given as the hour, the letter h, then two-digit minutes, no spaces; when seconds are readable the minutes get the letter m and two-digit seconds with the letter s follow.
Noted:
9h14
